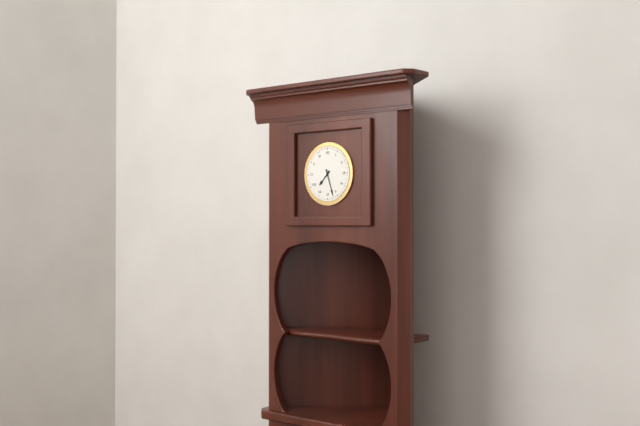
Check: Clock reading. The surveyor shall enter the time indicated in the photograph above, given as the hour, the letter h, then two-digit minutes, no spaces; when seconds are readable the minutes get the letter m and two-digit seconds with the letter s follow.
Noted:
7h27
